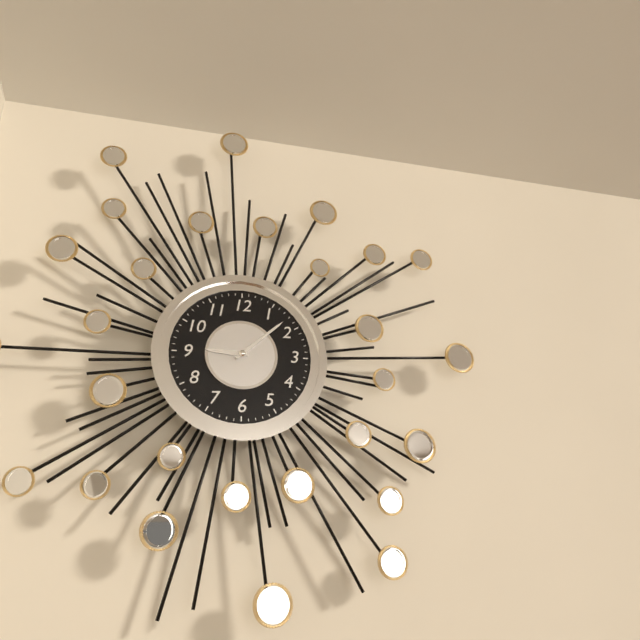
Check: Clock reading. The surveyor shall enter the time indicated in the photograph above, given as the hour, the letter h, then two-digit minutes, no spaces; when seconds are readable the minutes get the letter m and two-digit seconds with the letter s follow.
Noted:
9h08
